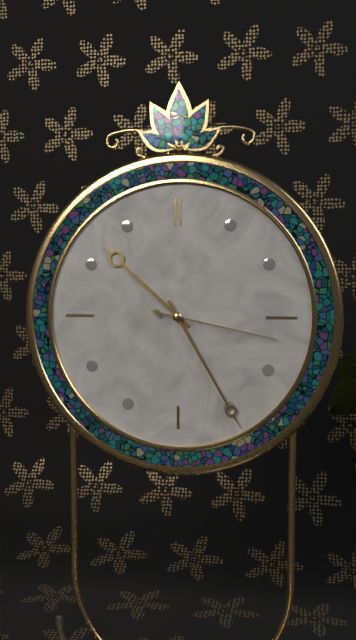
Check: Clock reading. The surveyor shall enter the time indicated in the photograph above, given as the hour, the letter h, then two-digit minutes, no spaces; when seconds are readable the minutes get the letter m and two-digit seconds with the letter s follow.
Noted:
10h25m17s
